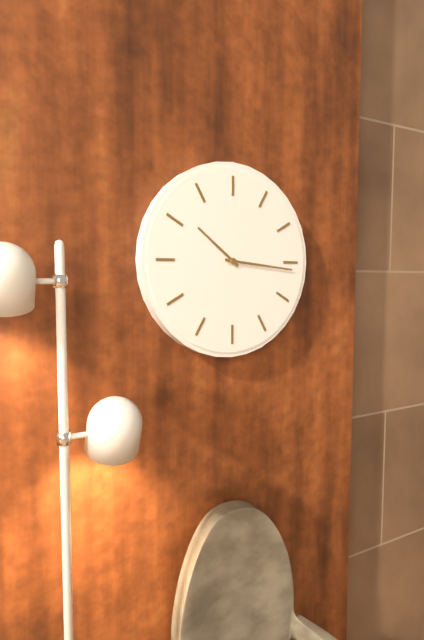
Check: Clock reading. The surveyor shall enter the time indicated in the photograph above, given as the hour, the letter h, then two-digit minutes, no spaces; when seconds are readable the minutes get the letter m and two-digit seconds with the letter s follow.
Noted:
10h16
